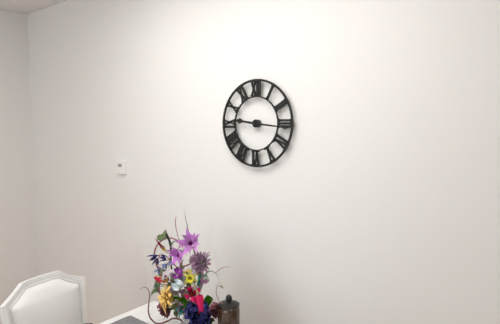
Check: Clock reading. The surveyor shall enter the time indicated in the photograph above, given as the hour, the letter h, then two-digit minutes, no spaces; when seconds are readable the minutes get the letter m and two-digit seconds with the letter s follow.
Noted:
9h16
